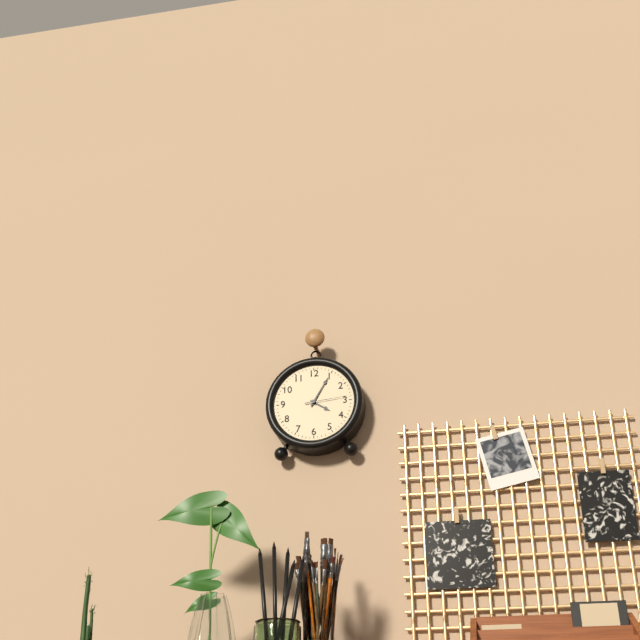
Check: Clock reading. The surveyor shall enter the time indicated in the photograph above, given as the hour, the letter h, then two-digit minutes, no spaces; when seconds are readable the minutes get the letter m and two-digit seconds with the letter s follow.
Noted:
4h05
